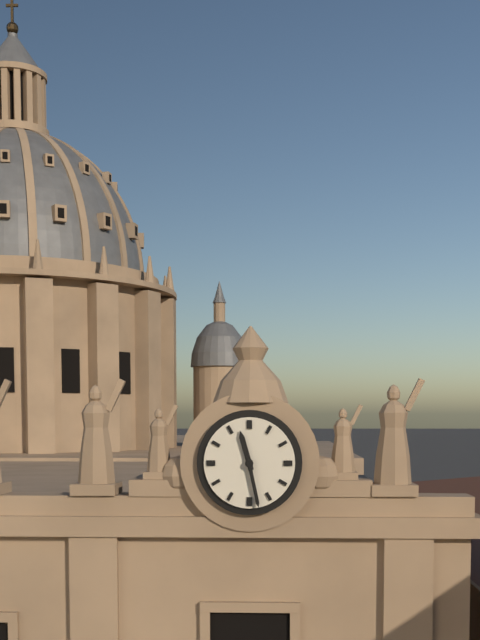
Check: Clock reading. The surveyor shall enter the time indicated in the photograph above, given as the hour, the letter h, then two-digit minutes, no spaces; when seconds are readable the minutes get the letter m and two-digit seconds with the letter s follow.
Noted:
11h28
